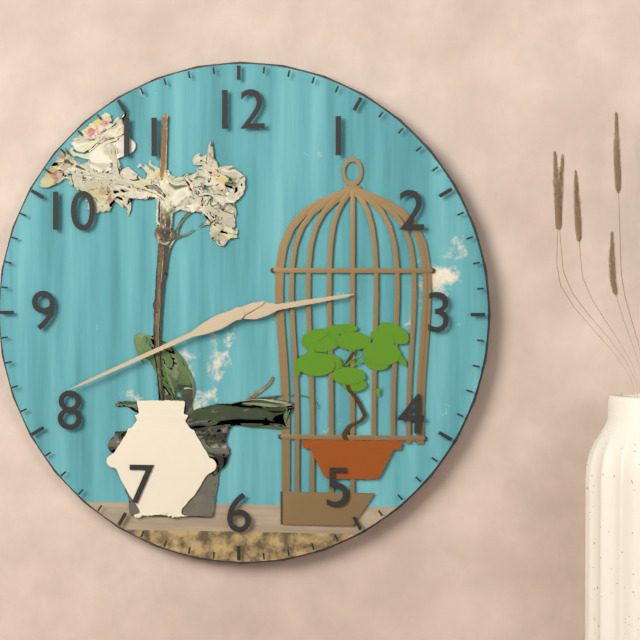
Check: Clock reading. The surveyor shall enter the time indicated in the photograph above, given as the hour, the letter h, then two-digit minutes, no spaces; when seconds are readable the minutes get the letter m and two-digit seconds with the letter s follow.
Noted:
2h41
